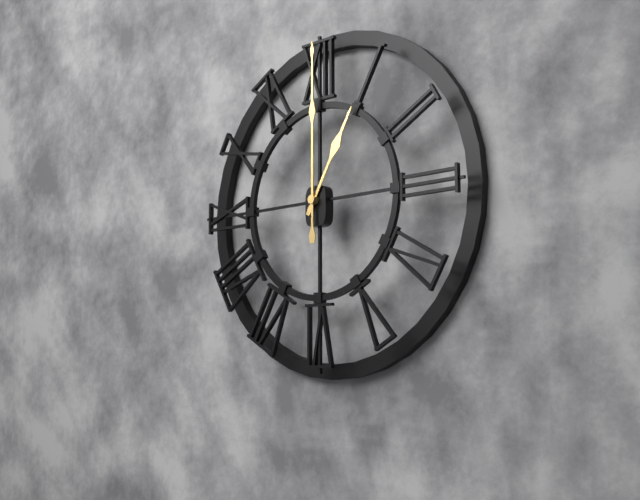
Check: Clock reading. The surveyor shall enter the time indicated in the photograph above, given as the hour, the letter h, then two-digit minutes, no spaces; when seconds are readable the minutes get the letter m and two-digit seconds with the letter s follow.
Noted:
1h00
